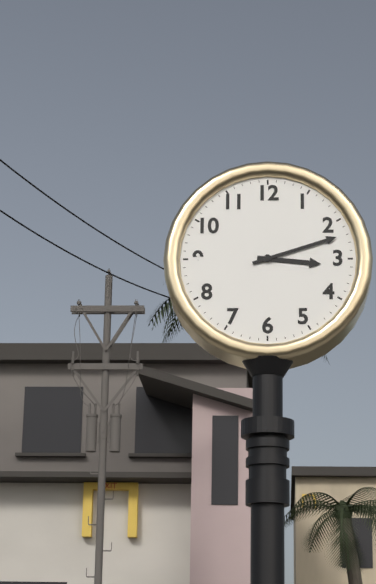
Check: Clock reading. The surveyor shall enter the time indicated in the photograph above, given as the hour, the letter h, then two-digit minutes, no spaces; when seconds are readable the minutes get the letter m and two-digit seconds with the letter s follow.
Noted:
3h12
